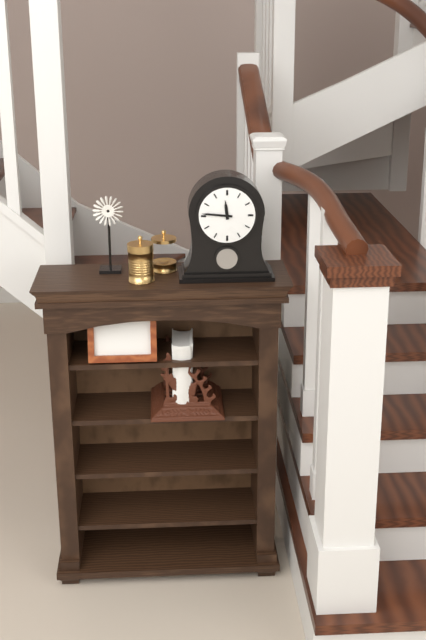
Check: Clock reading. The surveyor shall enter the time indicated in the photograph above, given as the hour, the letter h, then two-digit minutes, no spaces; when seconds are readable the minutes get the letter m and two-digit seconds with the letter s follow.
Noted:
11h46
